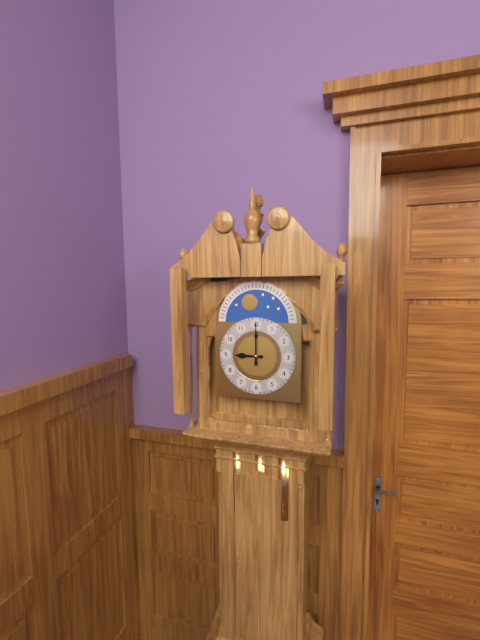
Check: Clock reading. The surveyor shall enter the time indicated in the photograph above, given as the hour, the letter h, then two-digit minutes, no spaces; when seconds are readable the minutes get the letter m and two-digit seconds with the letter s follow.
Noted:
9h00
